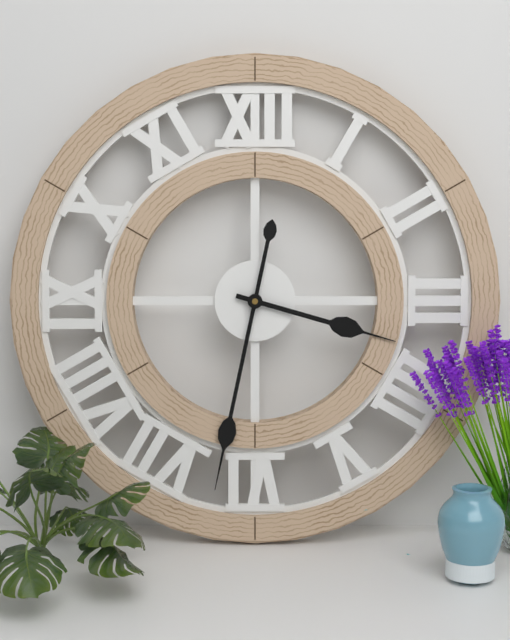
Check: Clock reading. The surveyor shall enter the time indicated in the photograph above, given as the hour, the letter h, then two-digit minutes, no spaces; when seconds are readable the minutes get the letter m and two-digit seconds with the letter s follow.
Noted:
3h32
